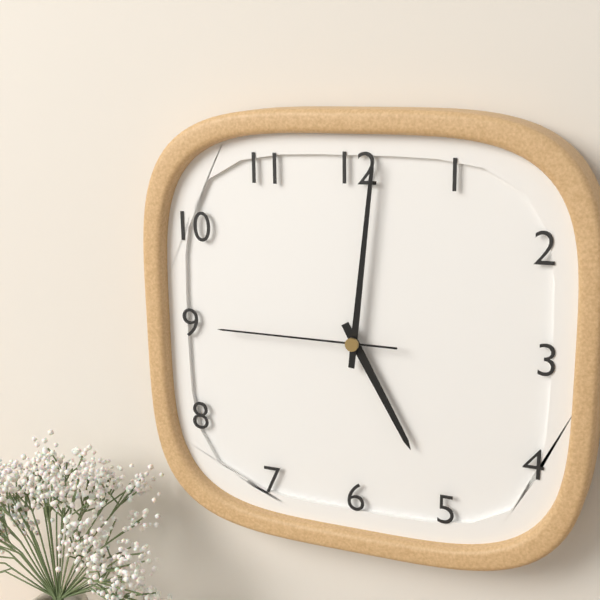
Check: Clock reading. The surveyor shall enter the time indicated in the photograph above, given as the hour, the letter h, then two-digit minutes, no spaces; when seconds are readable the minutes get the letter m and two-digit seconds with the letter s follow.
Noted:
5h01m45s
